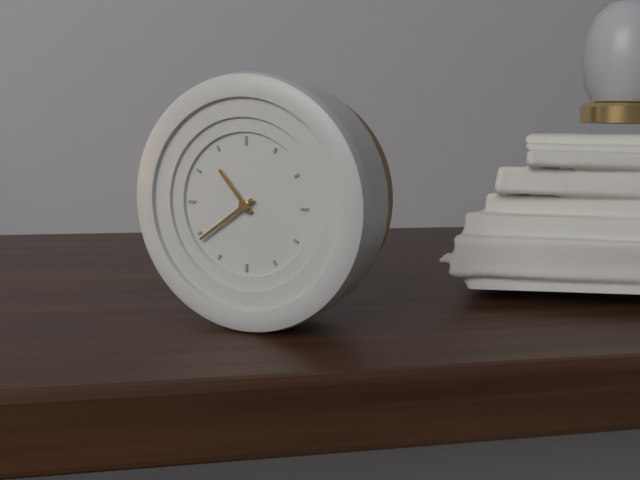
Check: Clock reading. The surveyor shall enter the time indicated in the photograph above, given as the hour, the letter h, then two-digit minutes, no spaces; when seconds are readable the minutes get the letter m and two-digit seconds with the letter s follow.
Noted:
10h39
